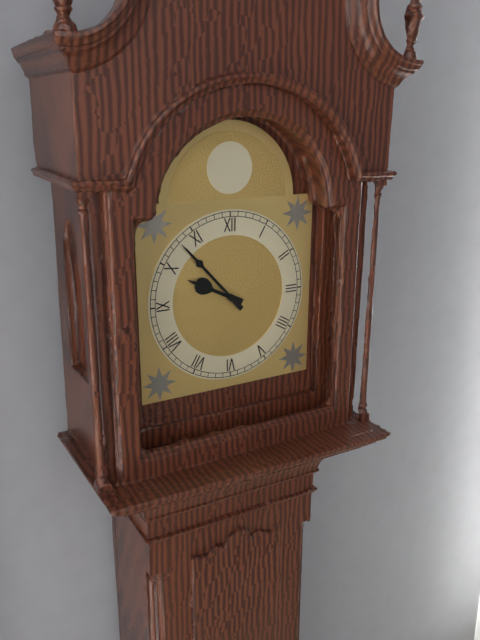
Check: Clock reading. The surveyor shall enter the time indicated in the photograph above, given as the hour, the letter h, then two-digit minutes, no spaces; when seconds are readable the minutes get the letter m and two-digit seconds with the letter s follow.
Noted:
9h53
